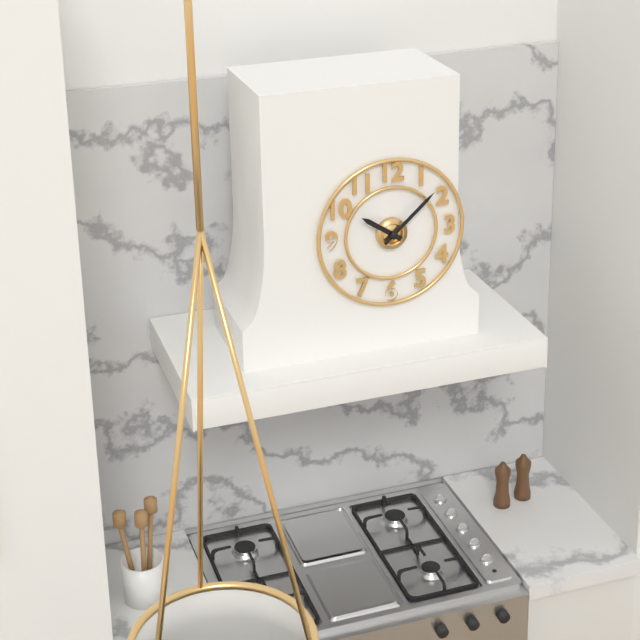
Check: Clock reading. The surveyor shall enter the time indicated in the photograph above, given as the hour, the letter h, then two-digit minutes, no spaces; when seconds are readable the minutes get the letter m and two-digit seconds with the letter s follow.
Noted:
10h08
